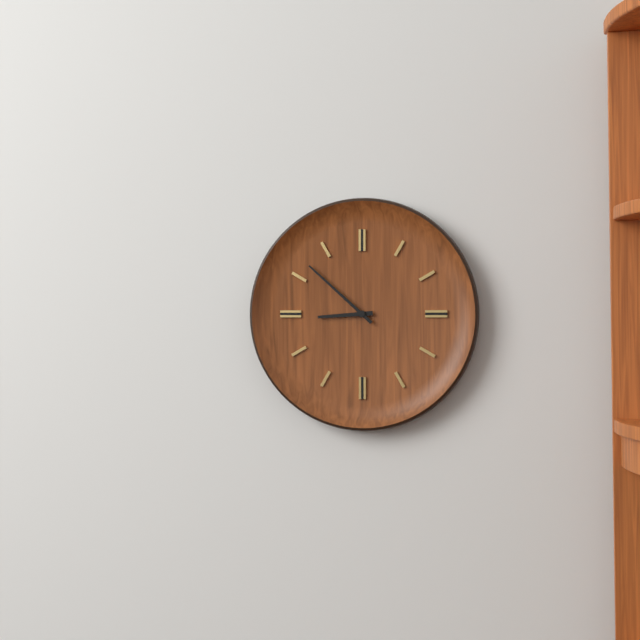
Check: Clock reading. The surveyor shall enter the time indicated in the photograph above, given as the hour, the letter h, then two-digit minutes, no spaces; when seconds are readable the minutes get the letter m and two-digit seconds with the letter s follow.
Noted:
8h52
